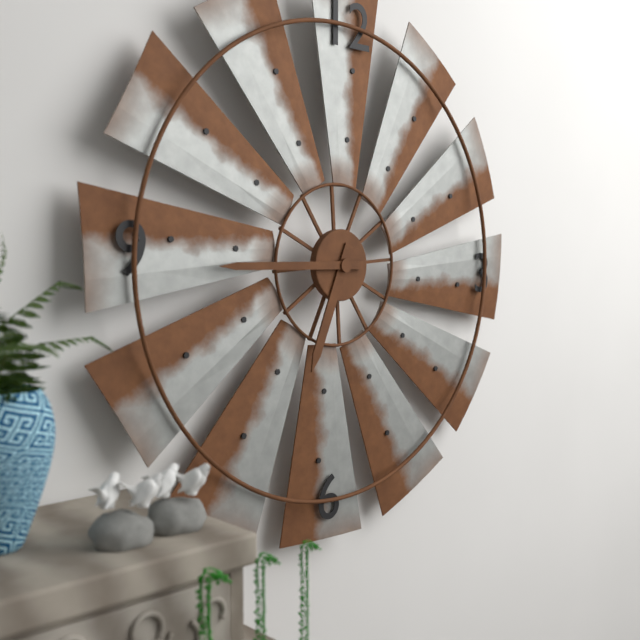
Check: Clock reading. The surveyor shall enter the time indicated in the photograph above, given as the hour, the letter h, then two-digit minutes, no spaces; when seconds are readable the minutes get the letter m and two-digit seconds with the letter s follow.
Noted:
6h45
